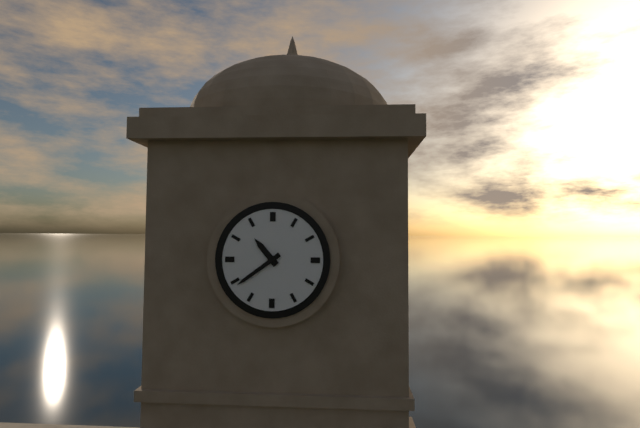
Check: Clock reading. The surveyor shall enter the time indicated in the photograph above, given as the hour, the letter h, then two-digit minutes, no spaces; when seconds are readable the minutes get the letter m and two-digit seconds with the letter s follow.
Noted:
10h39
